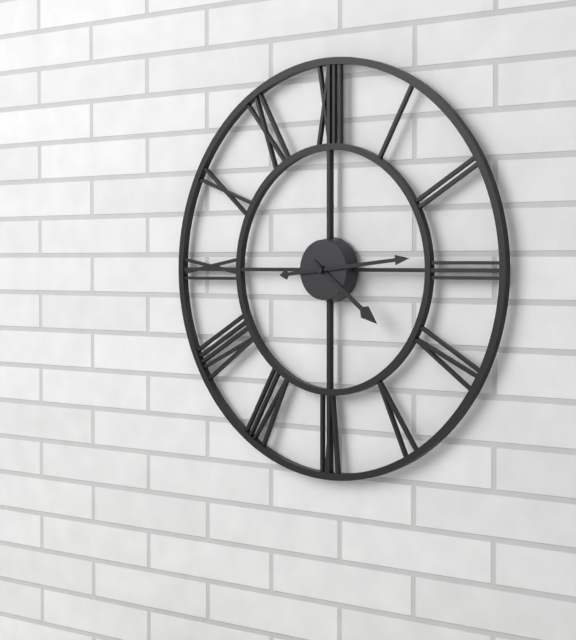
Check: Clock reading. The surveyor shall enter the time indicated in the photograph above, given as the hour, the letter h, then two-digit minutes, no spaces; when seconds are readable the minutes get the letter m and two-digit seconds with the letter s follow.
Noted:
4h14
